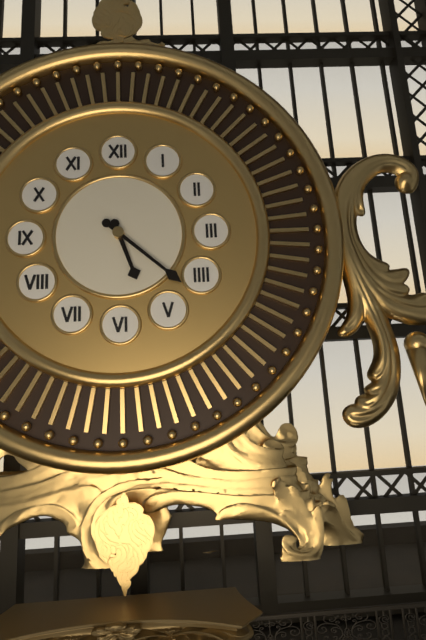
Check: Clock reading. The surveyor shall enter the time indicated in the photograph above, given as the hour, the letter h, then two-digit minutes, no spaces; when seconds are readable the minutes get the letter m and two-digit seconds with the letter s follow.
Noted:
5h22
